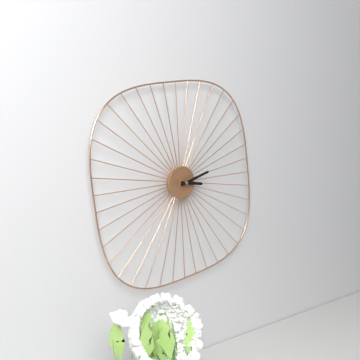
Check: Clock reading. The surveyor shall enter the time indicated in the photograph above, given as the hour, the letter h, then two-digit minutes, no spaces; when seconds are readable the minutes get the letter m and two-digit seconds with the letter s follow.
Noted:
3h12
